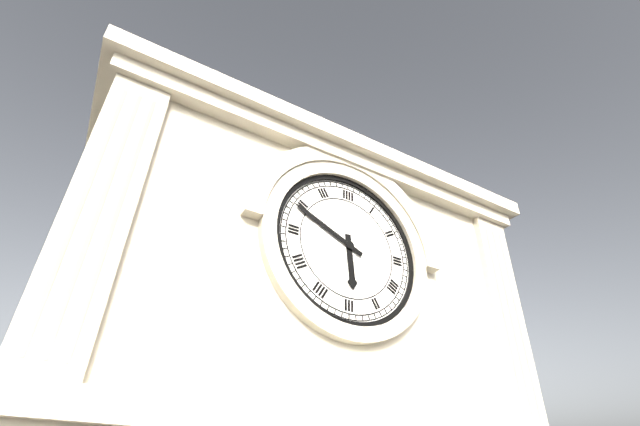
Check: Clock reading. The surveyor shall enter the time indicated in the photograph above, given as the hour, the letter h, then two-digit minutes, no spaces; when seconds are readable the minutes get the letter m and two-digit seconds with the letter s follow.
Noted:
5h49
